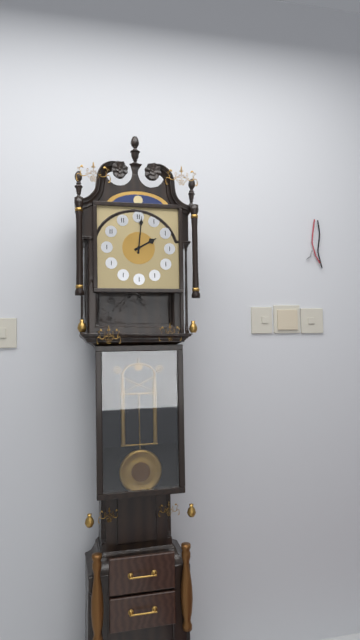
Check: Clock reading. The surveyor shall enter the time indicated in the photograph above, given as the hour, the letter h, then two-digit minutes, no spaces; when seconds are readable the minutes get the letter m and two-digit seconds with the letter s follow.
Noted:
2h01
